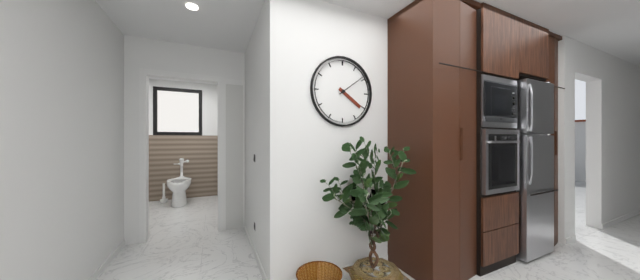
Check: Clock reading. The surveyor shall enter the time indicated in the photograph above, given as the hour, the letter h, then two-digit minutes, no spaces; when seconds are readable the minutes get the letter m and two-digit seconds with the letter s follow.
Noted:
4h09
